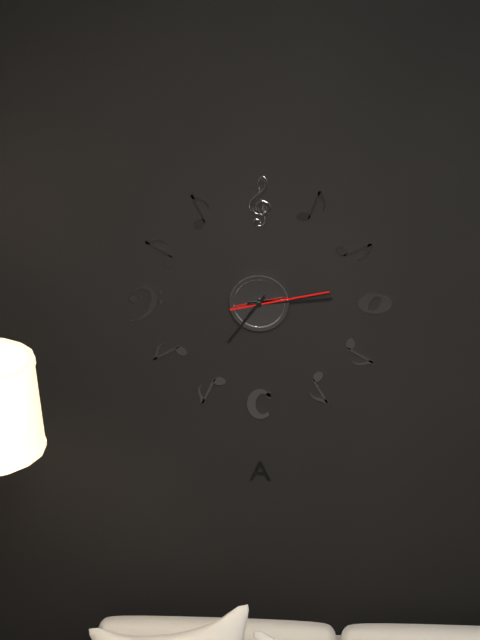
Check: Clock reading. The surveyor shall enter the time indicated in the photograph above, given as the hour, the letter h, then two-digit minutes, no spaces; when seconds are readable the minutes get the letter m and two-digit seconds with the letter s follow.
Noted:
7h14m13s
